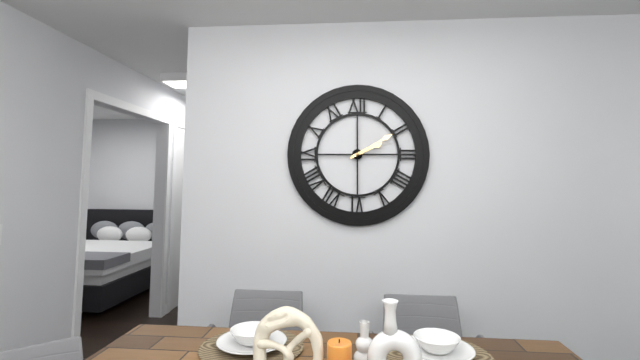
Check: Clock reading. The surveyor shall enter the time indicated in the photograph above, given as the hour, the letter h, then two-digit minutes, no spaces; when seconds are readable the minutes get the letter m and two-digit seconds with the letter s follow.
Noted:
2h10
